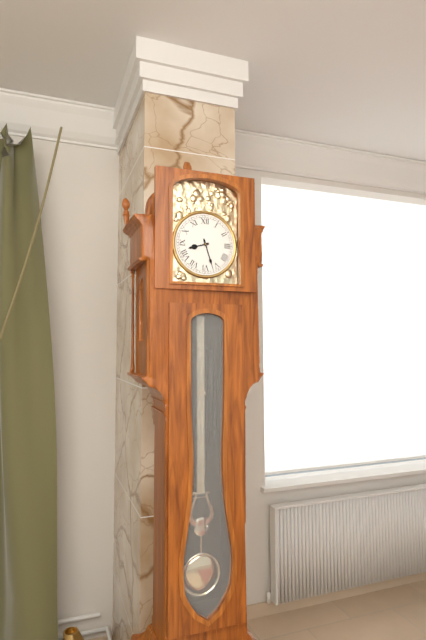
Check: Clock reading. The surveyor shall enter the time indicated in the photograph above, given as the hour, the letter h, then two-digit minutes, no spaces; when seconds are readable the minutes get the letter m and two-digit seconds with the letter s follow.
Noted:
8h27
